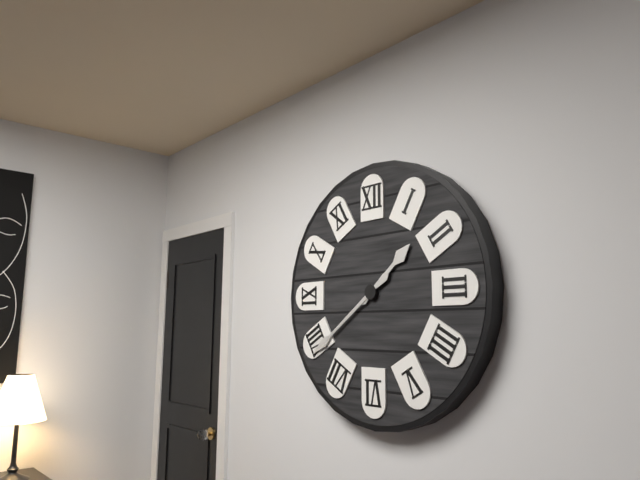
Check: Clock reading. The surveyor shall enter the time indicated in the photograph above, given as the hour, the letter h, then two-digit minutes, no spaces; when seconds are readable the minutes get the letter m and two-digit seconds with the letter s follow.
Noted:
1h39
